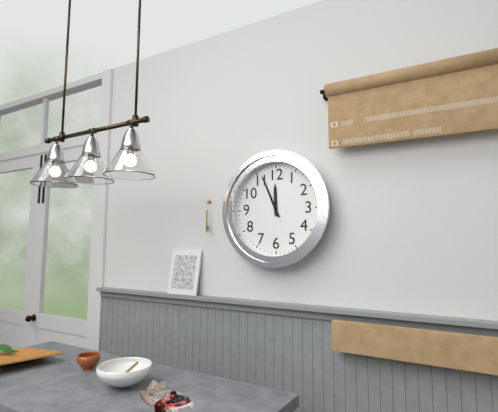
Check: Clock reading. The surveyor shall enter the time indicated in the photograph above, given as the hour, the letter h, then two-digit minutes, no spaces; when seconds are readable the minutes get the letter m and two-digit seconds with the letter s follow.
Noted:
11h56
